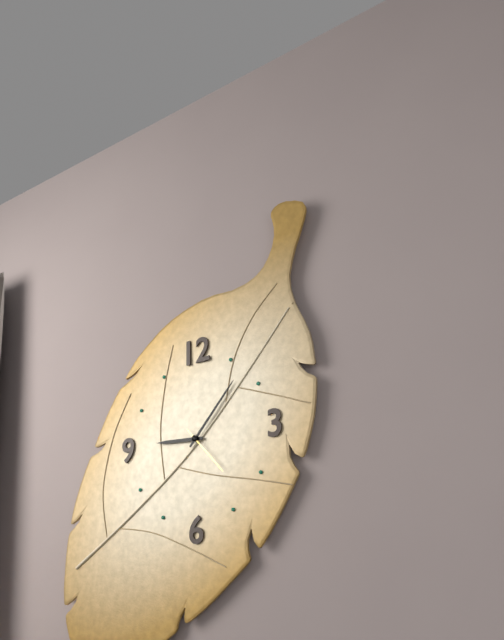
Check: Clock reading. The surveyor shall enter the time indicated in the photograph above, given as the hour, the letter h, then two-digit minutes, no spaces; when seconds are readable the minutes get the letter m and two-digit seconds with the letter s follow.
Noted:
9h07m23s
